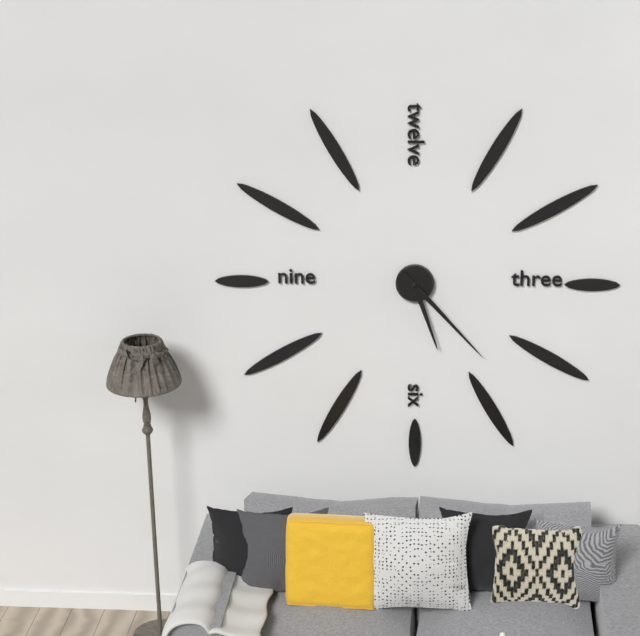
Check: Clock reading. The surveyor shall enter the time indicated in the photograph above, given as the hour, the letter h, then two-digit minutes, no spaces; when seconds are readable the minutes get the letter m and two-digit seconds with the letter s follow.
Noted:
5h23
